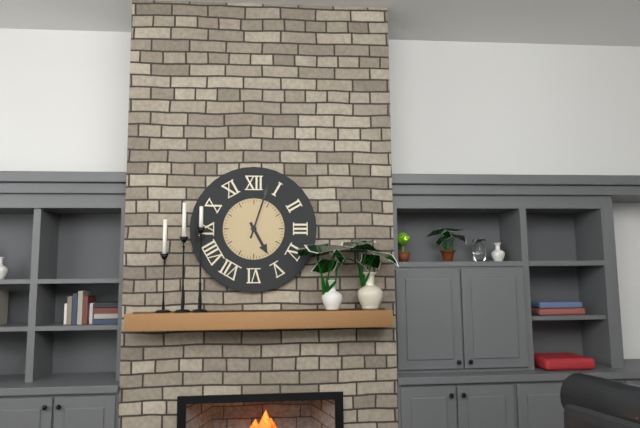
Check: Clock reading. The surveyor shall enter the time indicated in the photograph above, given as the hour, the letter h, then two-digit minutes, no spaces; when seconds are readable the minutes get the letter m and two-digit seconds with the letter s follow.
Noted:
5h03
